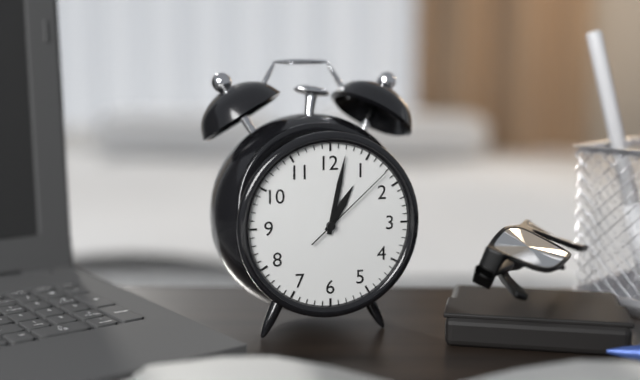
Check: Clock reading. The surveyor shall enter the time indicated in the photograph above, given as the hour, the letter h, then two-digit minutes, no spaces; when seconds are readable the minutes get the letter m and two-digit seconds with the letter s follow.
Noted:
1h02m08s
